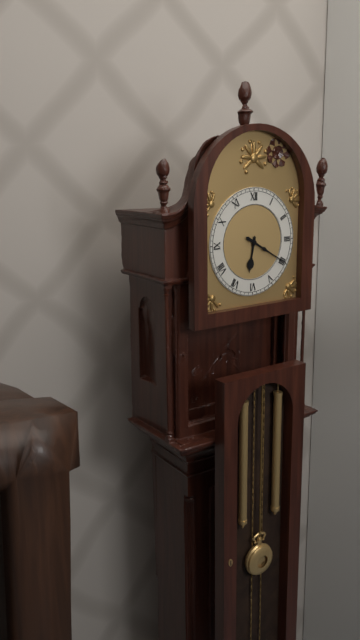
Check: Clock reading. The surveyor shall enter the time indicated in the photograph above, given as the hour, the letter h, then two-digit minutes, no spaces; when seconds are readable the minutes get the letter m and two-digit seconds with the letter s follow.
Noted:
6h20
